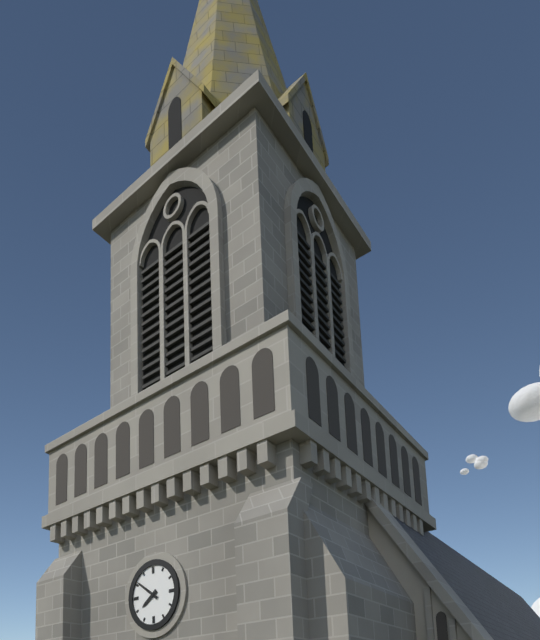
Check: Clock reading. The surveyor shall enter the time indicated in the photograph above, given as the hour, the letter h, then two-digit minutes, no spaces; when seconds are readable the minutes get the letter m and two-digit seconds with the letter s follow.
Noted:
7h51
